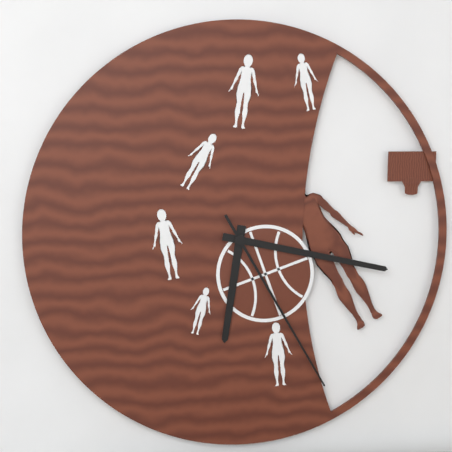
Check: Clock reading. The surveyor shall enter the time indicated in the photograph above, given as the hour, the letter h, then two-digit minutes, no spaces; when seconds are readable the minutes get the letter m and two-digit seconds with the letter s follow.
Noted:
6h17m25s
